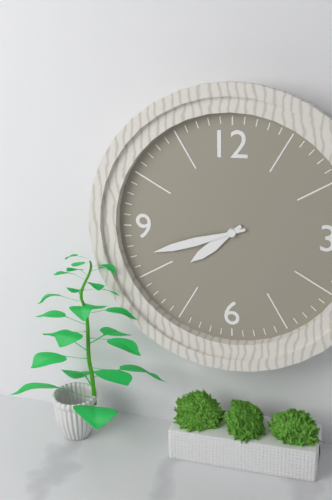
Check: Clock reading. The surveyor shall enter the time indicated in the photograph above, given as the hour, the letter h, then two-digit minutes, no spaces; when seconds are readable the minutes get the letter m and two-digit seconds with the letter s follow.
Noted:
7h42
